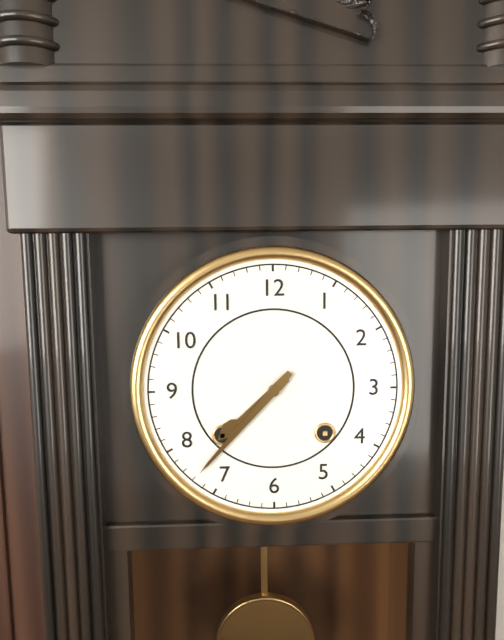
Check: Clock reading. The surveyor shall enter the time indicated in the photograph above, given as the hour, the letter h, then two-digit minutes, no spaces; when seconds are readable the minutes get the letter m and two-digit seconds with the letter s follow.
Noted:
7h37
